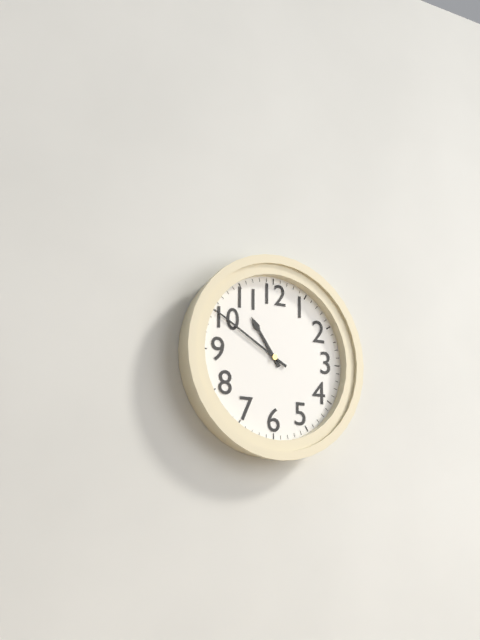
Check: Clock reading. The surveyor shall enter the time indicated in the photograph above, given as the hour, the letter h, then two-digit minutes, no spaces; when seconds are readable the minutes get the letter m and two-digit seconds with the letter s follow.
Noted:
10h50
